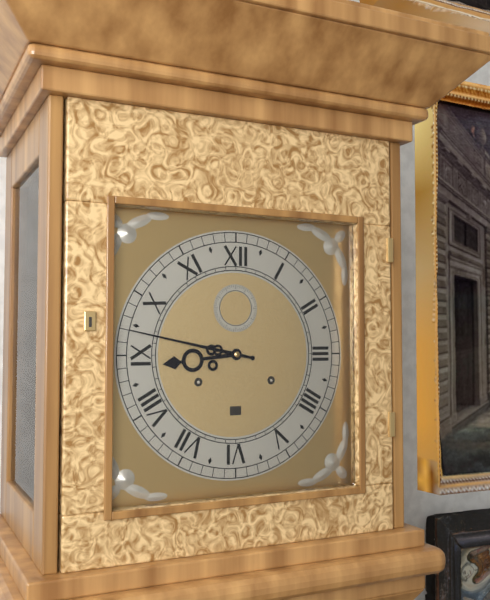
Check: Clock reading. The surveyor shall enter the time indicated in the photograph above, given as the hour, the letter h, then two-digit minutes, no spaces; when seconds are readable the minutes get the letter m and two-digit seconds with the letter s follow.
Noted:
8h47
